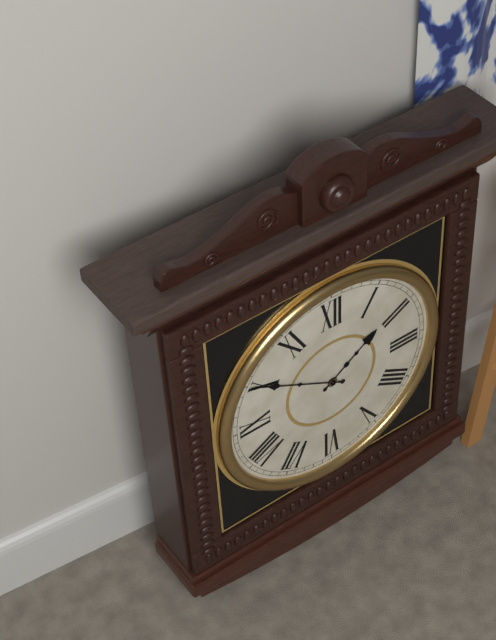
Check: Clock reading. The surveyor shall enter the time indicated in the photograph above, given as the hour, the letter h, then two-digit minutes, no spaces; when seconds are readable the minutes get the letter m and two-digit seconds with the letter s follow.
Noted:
1h50
